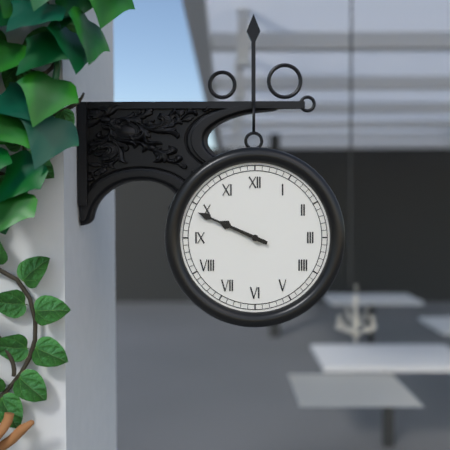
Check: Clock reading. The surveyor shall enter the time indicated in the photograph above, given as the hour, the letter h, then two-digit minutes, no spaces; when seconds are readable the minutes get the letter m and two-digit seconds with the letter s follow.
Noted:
9h49
